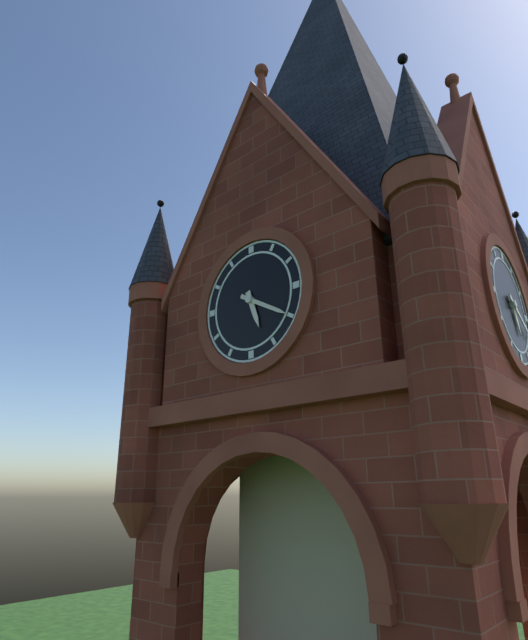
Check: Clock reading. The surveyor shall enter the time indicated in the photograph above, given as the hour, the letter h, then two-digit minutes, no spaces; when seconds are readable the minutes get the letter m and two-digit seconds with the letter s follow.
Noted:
5h20
